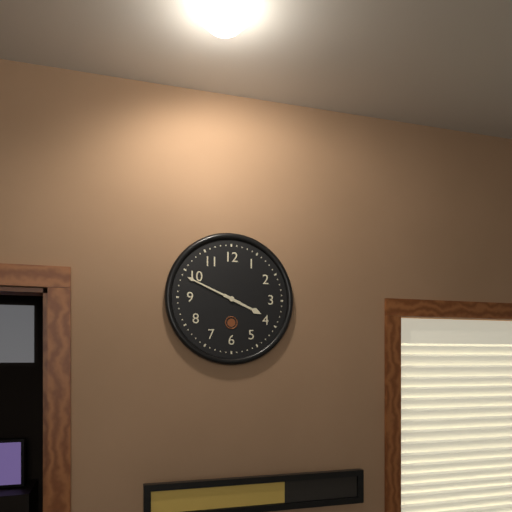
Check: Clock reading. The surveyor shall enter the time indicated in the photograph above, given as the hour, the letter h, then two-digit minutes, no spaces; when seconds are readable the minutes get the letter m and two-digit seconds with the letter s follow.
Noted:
3h49
